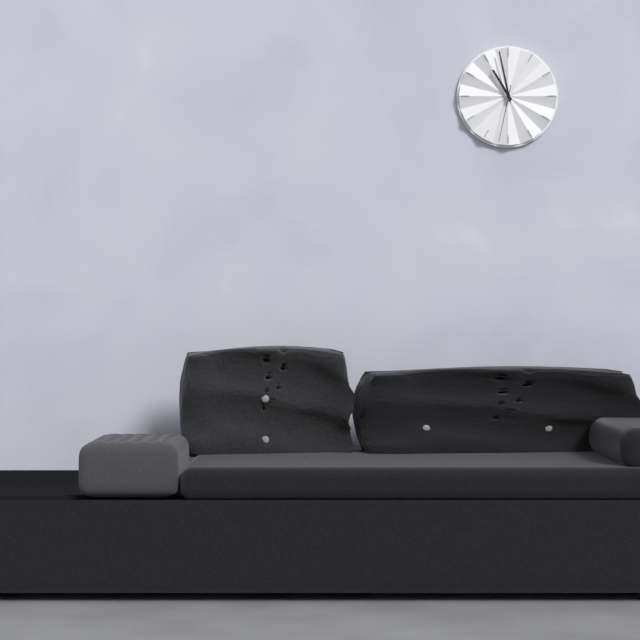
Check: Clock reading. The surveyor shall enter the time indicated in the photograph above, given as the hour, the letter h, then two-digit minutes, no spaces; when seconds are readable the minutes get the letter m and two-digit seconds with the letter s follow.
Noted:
10h58m32s
